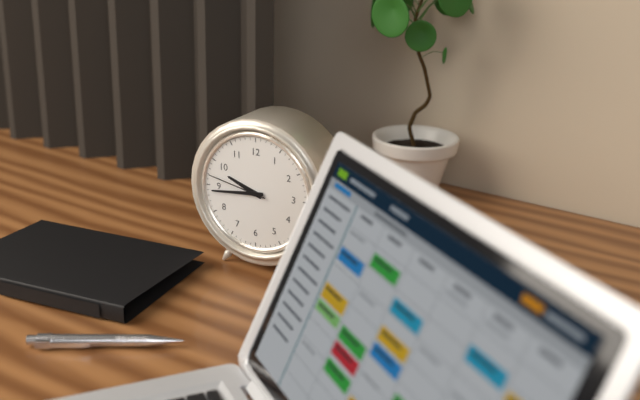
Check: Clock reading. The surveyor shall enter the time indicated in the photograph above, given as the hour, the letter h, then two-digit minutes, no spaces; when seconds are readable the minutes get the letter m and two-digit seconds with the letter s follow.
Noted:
9h44m47s
